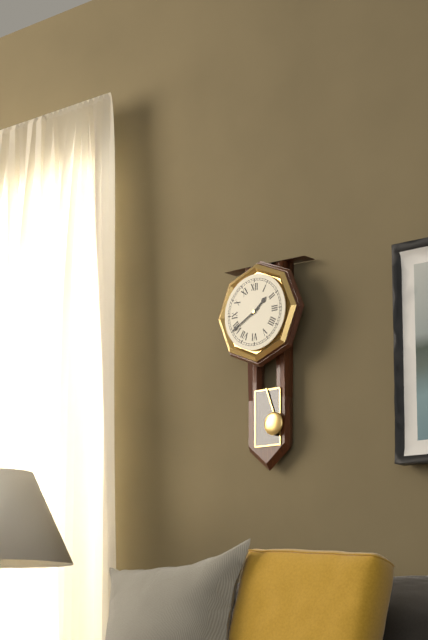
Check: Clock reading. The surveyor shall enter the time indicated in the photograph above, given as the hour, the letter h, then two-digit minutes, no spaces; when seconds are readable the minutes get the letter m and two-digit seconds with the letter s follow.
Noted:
1h40
